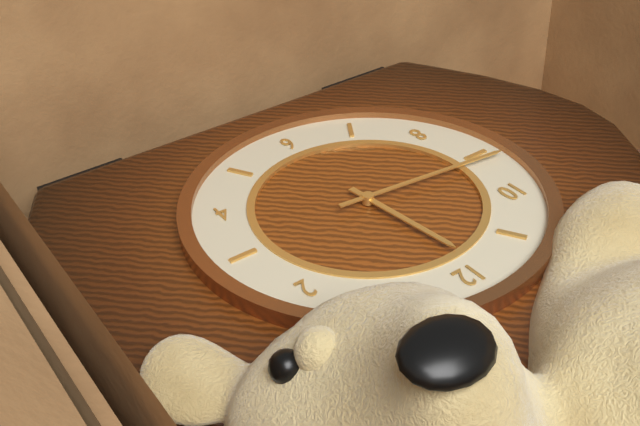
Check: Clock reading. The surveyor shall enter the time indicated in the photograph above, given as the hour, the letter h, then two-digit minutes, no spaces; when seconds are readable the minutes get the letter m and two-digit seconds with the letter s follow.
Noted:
11h46
